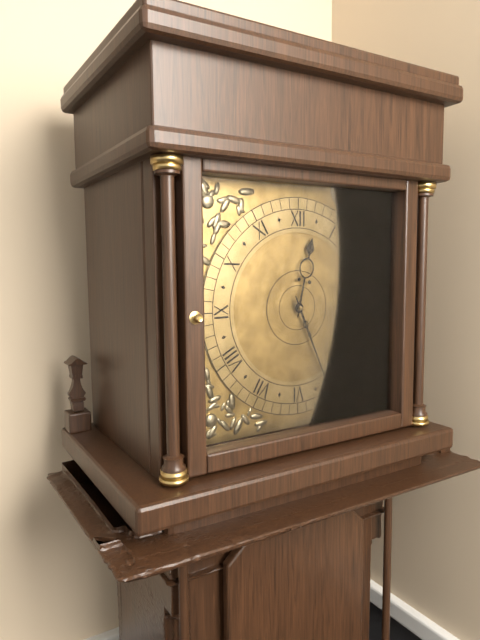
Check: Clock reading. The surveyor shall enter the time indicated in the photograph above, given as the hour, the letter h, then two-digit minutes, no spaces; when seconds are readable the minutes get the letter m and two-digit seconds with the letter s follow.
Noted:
12h26
